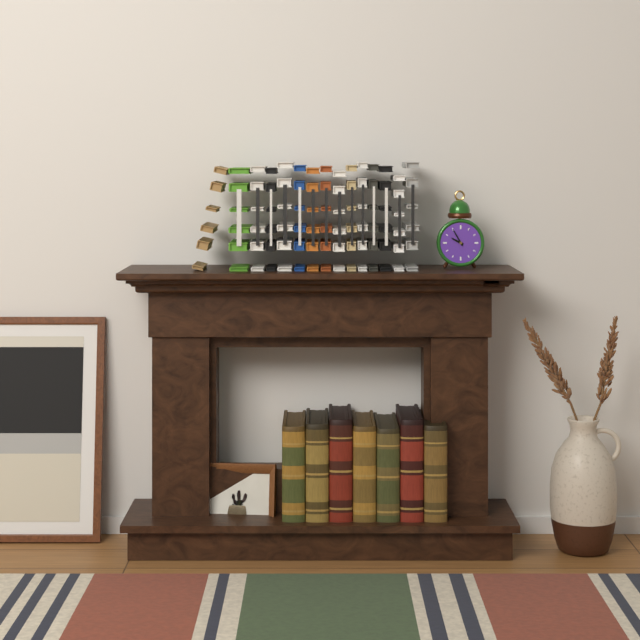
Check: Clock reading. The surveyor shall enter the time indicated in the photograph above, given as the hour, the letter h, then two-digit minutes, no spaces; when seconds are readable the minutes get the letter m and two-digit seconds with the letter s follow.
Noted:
9h55
